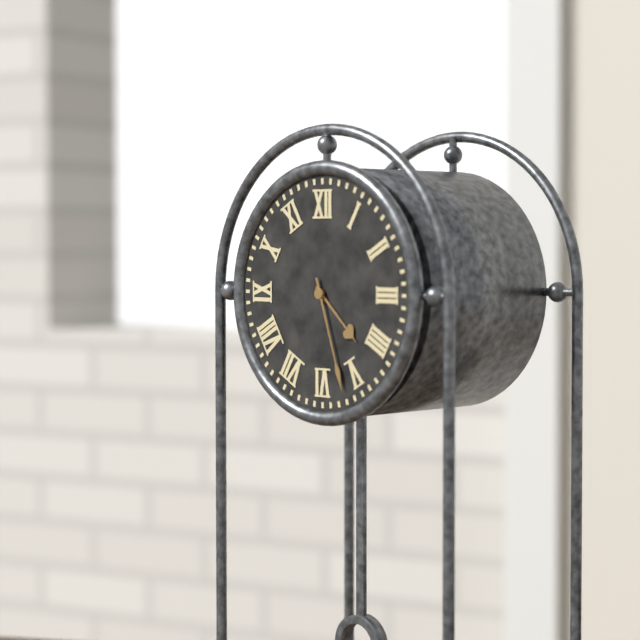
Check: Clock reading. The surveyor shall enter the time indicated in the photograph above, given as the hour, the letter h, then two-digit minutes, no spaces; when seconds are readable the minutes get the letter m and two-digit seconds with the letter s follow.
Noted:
4h27
